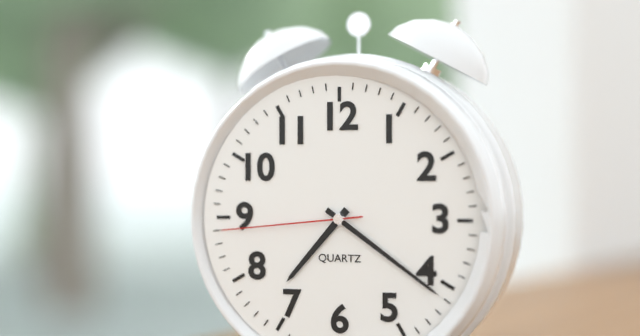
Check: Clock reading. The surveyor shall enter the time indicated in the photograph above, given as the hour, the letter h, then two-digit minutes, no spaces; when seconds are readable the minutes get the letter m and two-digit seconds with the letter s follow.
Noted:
7h21m44s
